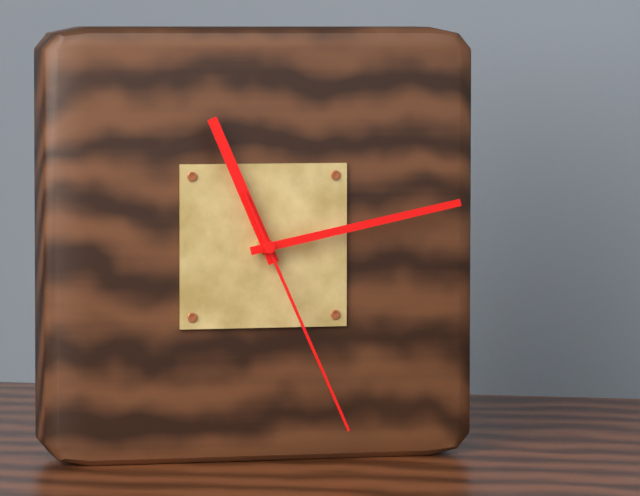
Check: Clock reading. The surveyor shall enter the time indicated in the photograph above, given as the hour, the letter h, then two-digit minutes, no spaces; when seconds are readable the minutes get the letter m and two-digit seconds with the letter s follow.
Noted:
11h13m26s
